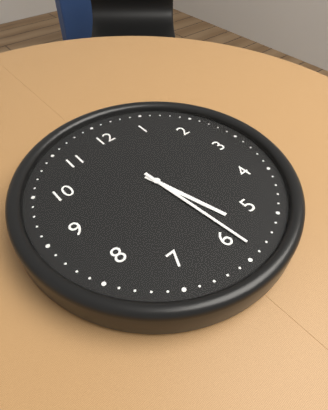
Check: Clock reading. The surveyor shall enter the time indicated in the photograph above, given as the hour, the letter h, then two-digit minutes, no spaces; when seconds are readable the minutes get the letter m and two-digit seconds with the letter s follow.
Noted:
5h29
